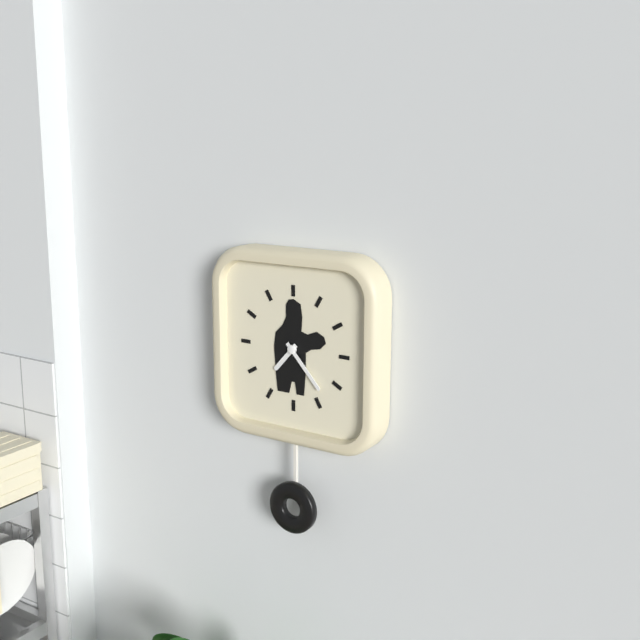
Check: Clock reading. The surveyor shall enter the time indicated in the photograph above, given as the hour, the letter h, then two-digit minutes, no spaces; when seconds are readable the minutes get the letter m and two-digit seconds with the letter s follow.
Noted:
7h23
